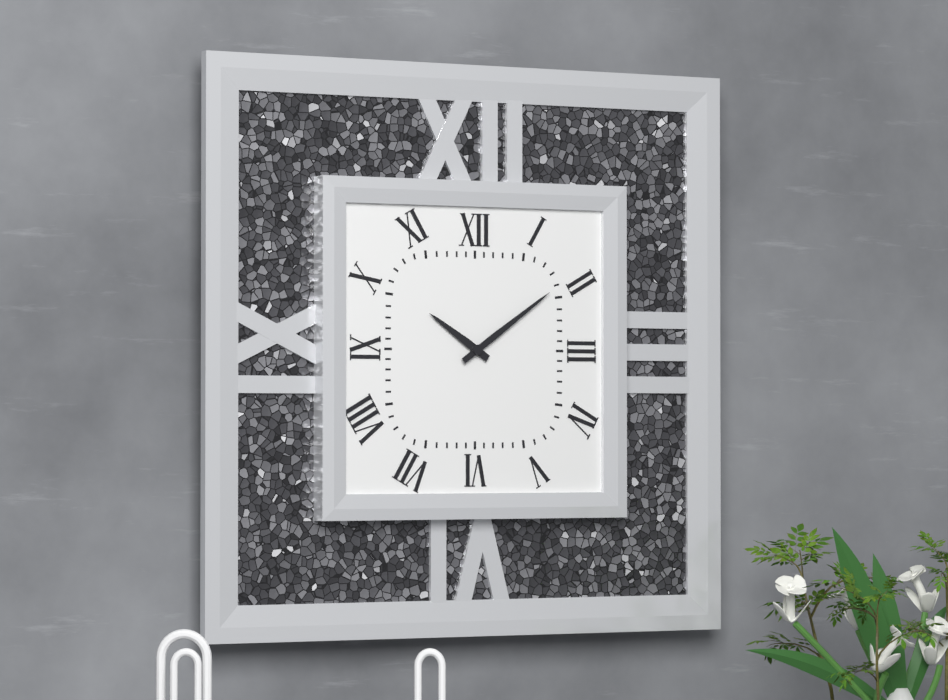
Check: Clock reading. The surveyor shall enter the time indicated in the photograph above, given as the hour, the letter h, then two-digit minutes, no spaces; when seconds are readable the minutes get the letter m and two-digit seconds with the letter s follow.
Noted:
10h09
